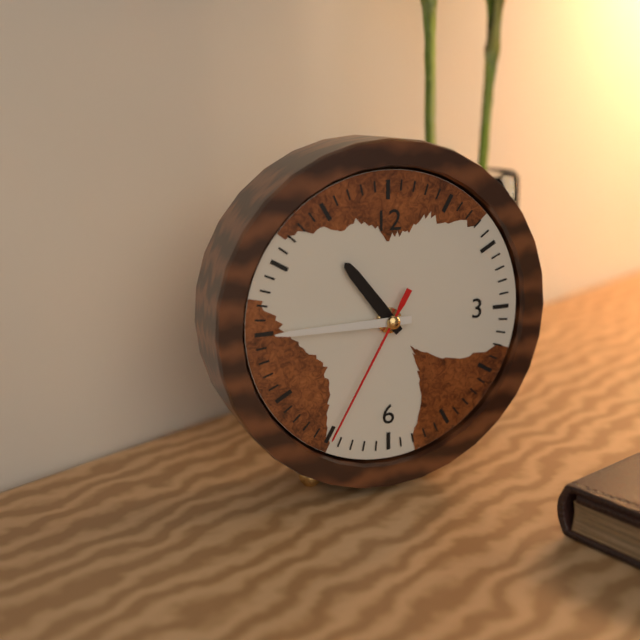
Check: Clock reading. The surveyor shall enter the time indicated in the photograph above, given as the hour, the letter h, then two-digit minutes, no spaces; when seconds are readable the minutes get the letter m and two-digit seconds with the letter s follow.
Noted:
10h45m35s
